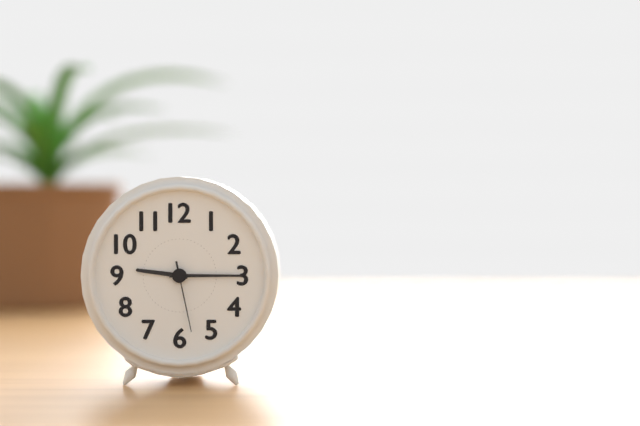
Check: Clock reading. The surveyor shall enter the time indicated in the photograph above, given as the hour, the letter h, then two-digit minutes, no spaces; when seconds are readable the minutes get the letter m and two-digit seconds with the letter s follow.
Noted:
9h15m28s
